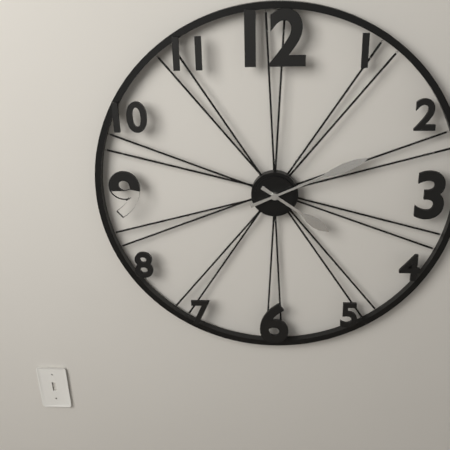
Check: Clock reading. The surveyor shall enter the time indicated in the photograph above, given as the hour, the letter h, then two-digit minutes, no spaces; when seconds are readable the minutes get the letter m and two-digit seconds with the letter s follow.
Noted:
4h11
